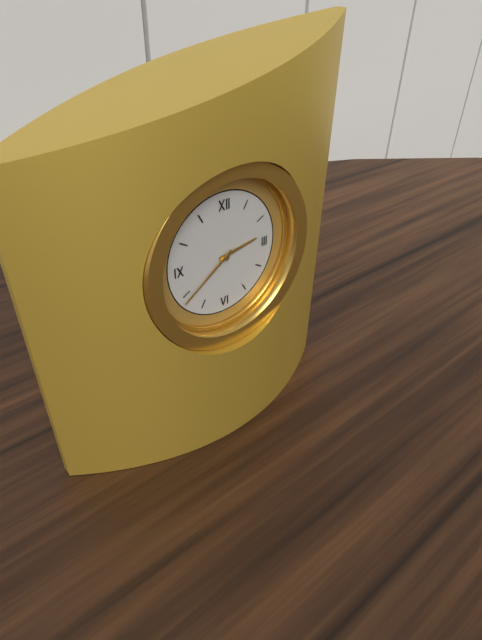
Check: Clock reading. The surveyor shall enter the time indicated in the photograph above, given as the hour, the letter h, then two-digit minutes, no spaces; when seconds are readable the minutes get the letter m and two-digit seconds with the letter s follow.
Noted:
2h39
